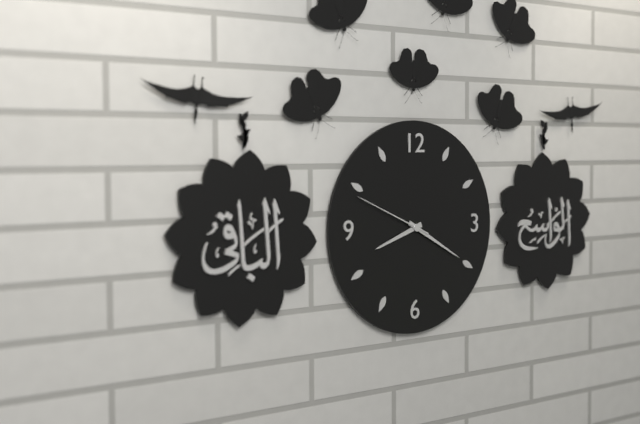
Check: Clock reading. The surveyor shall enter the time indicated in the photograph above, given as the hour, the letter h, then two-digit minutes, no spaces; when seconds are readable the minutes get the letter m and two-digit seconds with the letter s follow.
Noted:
8h20m49s
